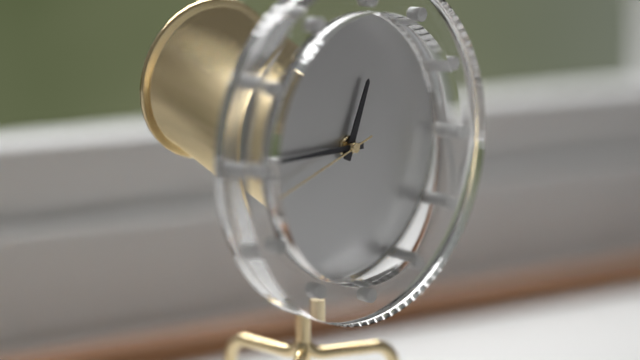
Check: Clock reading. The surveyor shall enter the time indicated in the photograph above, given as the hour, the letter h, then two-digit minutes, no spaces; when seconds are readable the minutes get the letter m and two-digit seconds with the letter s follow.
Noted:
12h45m42s
